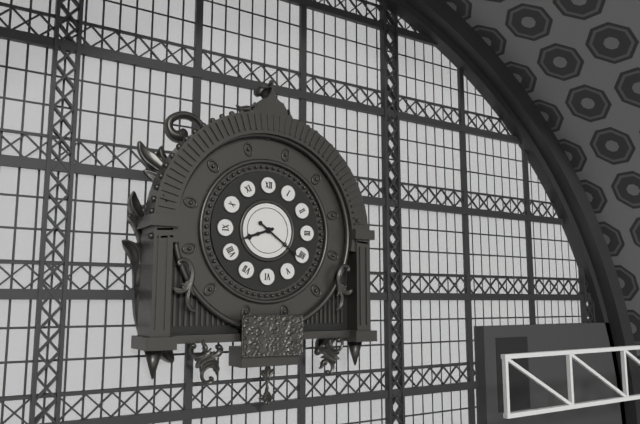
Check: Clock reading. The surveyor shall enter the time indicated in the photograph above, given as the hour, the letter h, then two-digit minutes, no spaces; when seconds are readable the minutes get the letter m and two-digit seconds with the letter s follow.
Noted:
8h21
